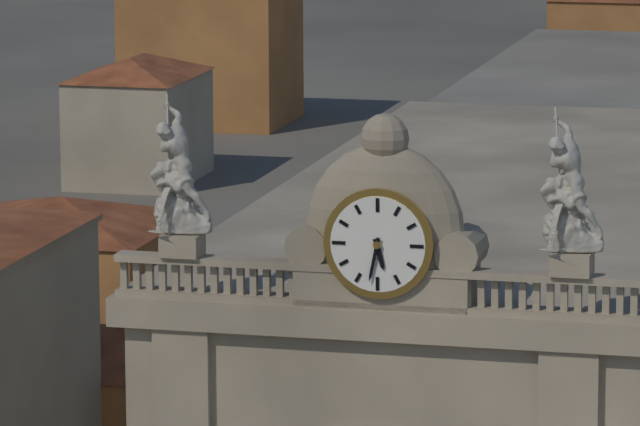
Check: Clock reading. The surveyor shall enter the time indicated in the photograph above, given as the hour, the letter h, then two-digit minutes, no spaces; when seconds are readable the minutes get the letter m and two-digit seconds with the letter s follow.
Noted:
5h32
